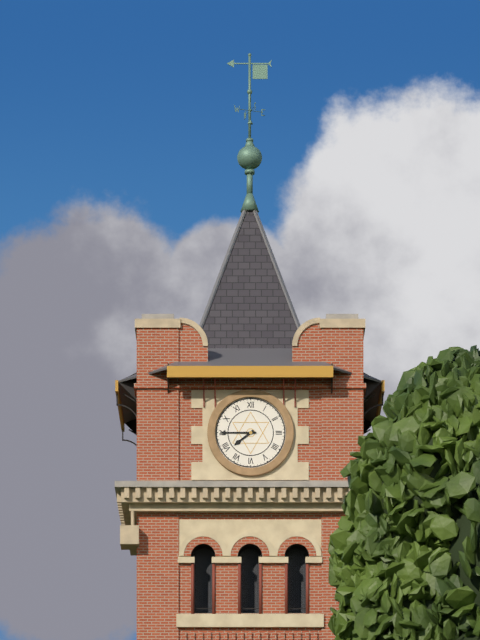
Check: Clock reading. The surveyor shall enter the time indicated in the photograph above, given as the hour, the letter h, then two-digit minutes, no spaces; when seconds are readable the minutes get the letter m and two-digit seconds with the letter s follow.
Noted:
7h45
